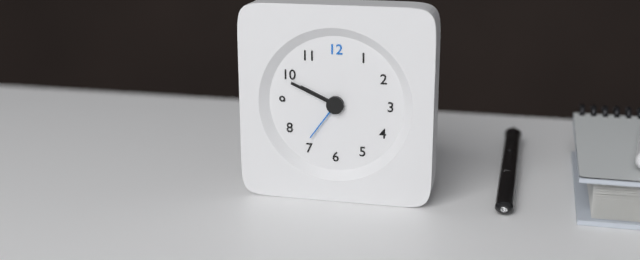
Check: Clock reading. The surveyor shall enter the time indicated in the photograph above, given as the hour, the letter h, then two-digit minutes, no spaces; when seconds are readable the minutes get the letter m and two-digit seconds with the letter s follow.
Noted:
9h49m36s
